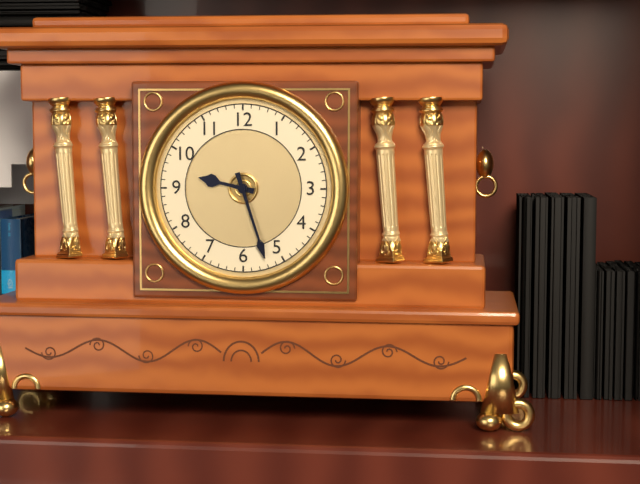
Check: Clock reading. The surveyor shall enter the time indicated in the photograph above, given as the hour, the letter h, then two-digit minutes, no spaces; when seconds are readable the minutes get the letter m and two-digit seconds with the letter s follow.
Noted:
9h27
